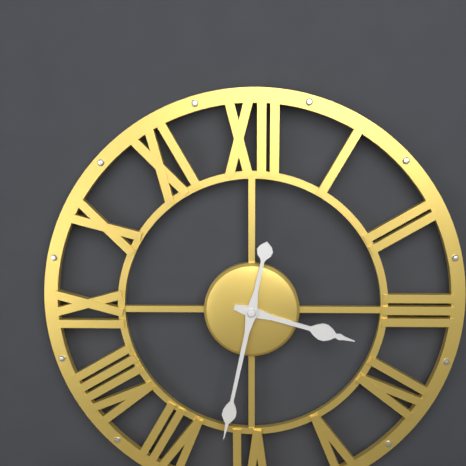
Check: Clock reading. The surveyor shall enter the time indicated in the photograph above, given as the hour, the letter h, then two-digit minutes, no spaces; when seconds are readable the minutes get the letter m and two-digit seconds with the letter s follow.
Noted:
3h32
